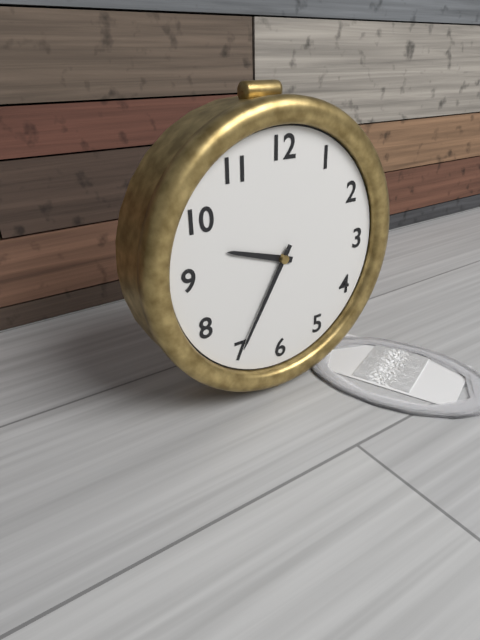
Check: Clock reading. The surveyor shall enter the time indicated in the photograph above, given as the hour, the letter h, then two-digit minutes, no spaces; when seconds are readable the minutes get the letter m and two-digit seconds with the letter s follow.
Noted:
9h35
